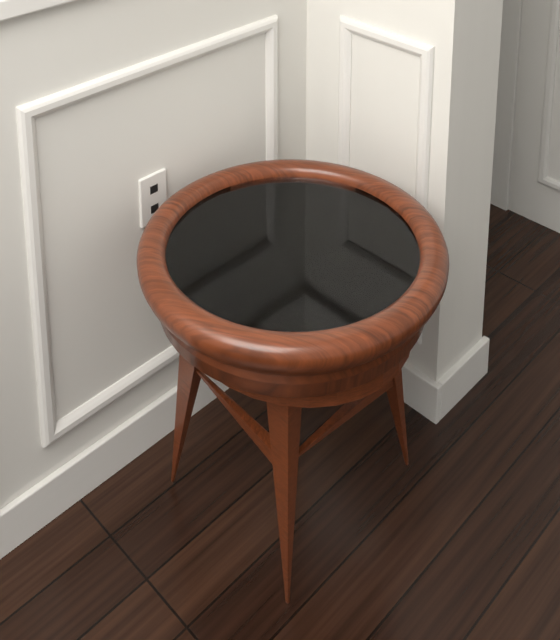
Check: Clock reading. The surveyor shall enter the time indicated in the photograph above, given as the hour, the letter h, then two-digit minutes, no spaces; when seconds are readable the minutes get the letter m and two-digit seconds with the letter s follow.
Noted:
8h29
